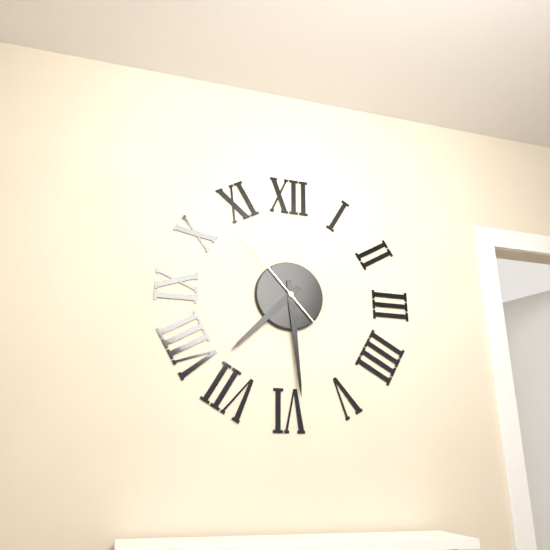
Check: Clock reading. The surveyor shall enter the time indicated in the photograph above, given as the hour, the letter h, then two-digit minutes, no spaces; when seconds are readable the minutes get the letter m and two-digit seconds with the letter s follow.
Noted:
7h29m53s
